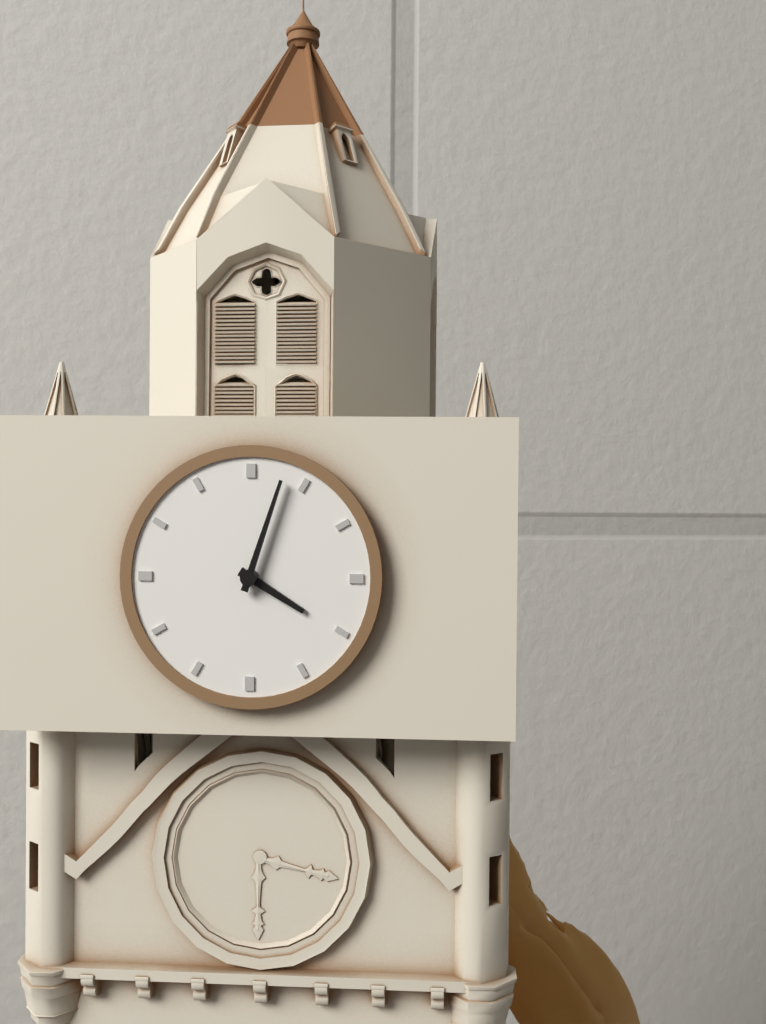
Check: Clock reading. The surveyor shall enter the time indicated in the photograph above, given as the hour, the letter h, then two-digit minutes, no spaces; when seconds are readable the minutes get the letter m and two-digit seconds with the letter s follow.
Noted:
4h03
